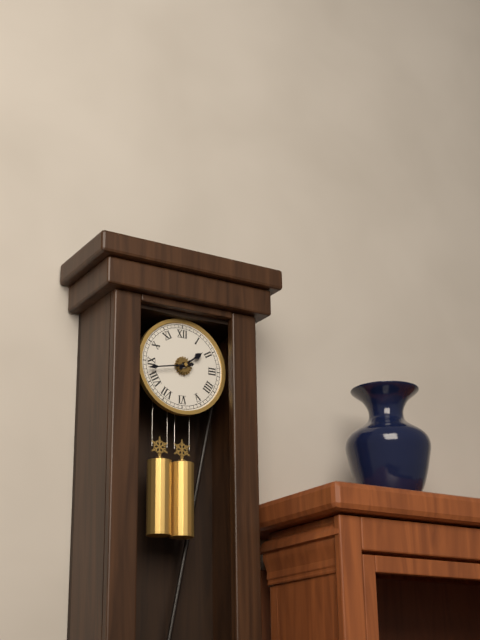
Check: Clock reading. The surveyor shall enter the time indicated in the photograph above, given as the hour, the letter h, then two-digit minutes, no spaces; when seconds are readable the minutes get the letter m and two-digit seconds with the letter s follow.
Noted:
1h43
